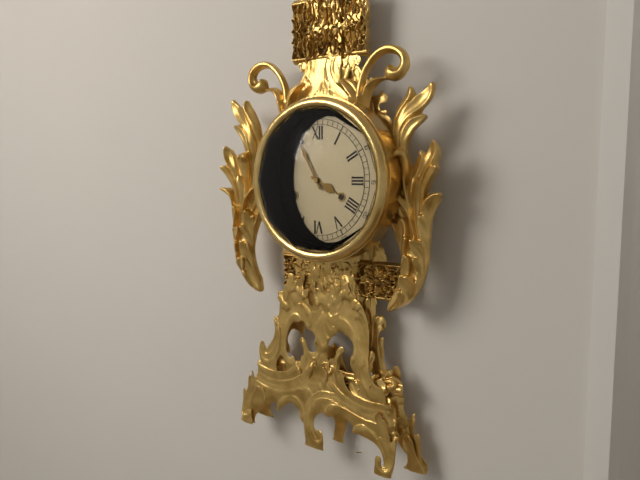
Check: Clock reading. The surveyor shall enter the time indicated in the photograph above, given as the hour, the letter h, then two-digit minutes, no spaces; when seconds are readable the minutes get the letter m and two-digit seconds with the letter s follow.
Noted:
3h55
